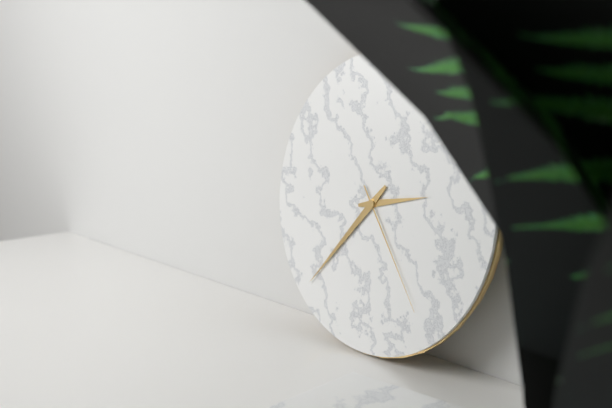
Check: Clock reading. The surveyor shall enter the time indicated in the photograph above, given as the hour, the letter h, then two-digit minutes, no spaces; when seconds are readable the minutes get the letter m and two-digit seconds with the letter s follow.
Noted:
2h37m24s
